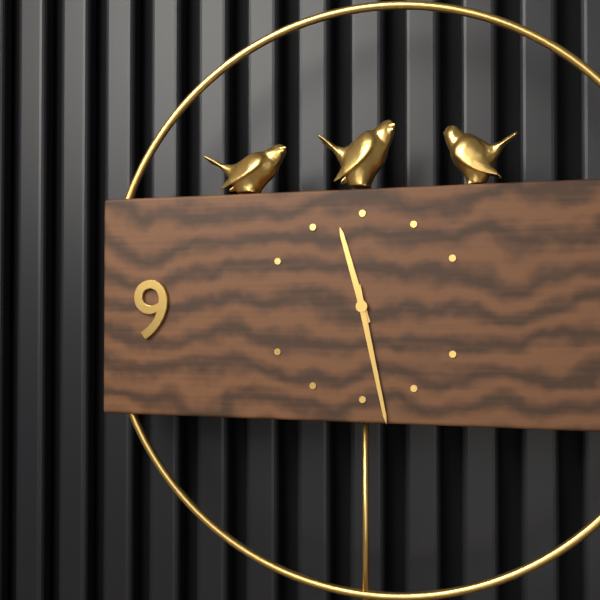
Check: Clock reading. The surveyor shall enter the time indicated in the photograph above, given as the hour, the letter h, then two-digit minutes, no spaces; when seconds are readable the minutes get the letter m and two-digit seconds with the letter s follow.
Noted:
11h28
